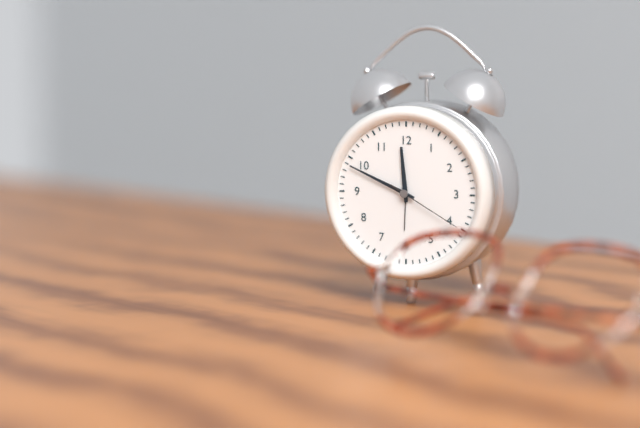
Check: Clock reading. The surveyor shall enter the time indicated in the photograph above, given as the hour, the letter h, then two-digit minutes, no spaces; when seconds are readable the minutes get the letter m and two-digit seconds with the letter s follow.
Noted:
11h49m20s
